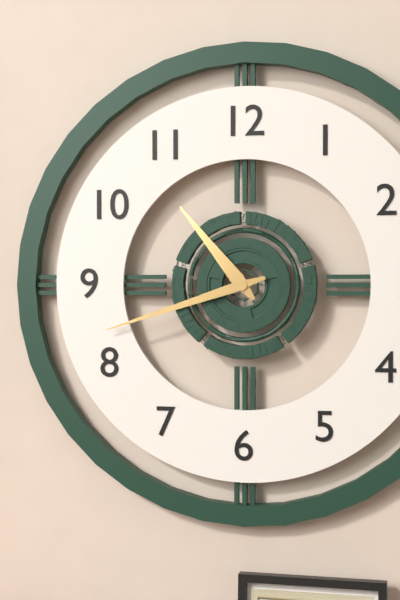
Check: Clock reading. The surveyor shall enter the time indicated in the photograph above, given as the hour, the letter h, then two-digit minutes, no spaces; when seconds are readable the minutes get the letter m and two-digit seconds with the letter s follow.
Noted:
10h42
